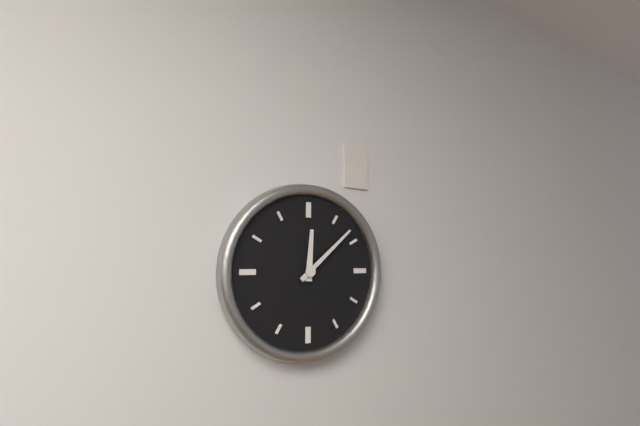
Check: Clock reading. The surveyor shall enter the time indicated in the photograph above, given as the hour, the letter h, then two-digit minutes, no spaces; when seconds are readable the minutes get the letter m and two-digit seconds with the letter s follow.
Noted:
12h08
